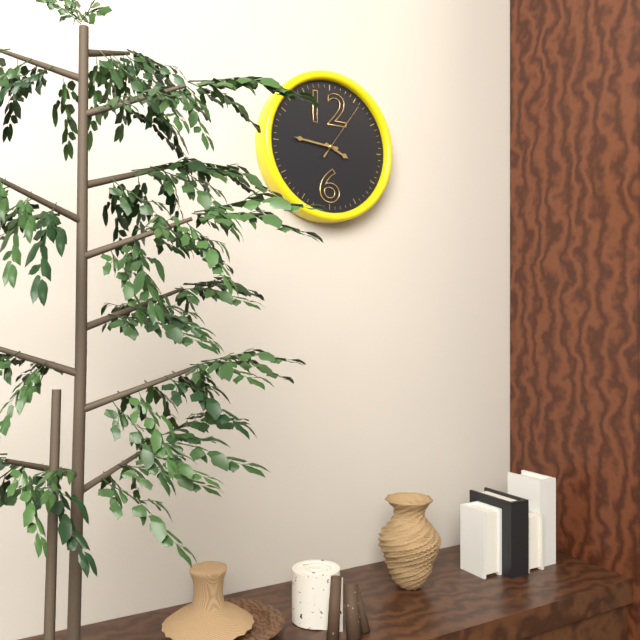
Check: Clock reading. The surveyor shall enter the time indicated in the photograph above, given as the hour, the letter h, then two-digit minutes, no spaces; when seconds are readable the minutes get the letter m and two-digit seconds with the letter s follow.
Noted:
3h46m06s
